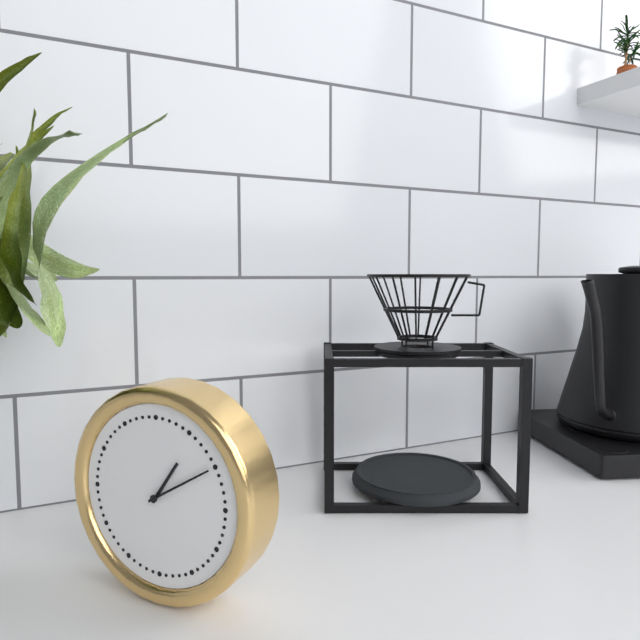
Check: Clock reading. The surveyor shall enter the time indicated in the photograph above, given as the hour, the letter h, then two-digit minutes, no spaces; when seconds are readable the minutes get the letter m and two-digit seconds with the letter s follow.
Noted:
1h10
